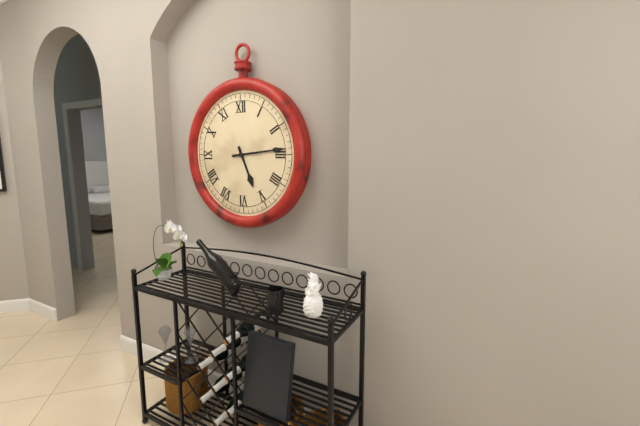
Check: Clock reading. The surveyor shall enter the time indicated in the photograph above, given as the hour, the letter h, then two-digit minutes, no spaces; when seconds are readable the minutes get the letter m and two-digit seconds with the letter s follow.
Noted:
5h14
